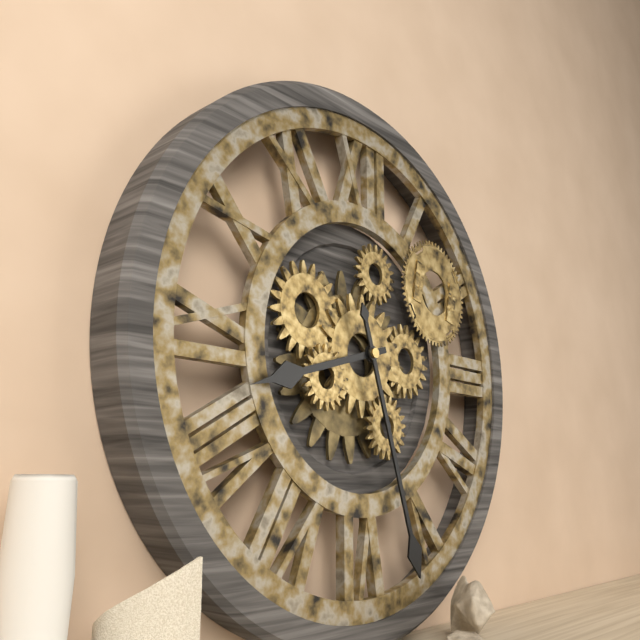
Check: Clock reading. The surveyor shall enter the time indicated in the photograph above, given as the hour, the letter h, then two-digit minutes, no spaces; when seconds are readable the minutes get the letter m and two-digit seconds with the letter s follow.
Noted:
8h27
